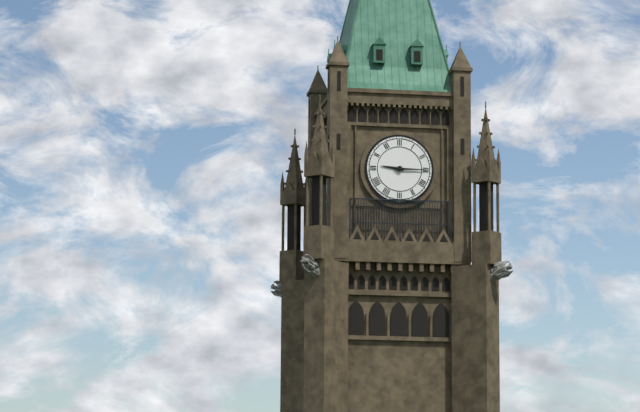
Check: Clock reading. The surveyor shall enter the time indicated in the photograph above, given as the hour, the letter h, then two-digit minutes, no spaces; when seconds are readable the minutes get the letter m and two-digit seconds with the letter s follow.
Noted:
9h15
